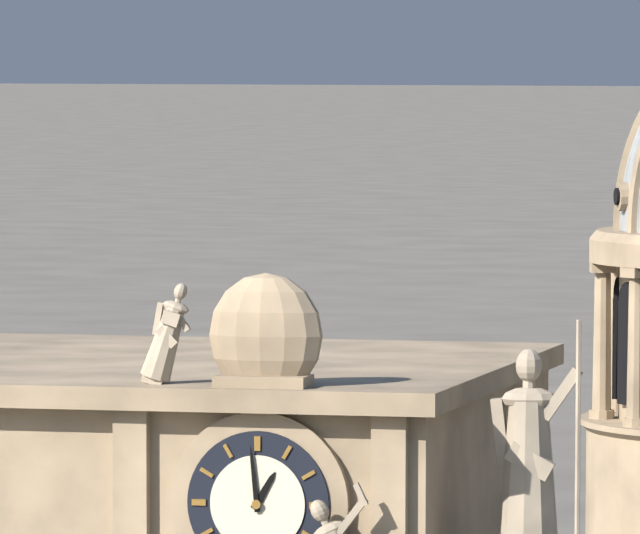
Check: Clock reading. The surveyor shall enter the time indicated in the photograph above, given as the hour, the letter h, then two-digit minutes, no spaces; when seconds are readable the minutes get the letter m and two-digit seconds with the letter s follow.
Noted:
12h59
